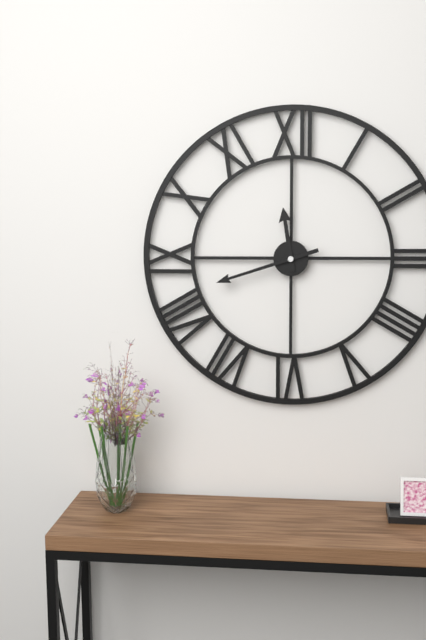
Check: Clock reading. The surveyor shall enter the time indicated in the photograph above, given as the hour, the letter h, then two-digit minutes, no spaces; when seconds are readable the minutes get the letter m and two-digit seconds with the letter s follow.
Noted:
11h42
